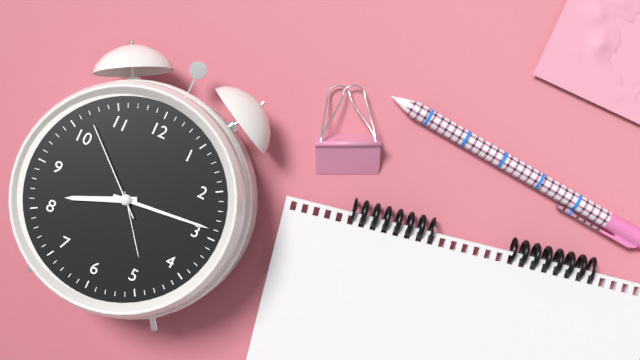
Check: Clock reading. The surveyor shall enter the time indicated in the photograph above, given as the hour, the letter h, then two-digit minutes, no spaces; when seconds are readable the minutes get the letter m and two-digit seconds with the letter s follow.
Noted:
8h14m52s
